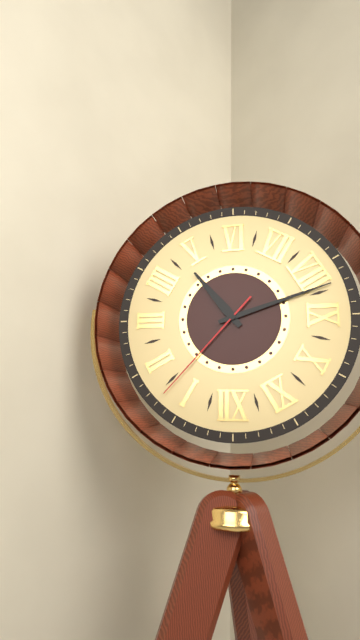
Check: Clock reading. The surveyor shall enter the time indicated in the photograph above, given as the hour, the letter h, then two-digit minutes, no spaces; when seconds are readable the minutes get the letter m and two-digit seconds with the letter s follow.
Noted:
4h42m07s
